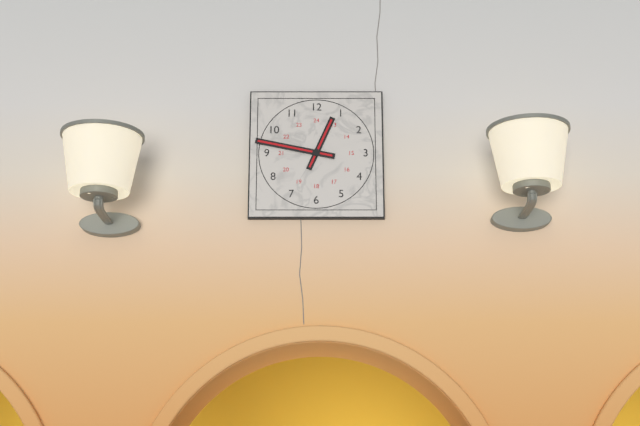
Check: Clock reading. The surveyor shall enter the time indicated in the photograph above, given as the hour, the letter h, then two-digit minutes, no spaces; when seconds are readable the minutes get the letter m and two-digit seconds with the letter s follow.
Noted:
12h47
